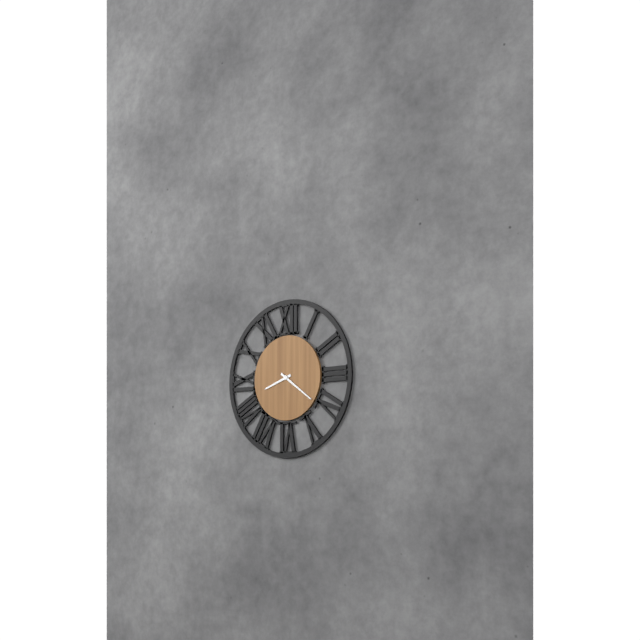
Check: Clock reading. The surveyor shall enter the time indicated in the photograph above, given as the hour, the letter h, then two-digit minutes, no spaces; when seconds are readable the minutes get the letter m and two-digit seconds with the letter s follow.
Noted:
8h21
